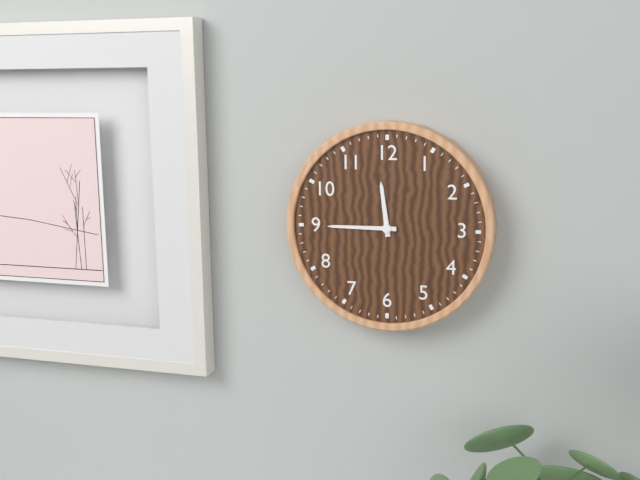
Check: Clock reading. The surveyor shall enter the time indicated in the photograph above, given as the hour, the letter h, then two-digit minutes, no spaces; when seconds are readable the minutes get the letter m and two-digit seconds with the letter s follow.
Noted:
11h45
